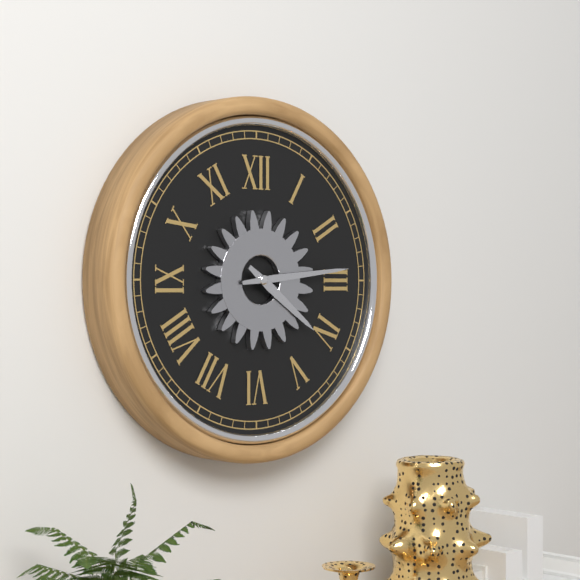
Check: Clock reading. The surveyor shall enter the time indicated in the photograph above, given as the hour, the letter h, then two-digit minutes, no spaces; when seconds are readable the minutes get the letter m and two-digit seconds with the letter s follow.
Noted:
4h14
